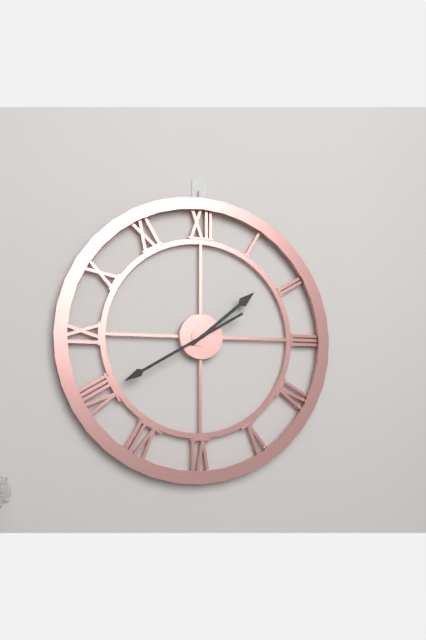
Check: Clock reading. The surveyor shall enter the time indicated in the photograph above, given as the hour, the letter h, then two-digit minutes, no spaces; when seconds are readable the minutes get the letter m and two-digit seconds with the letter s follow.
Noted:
1h40
